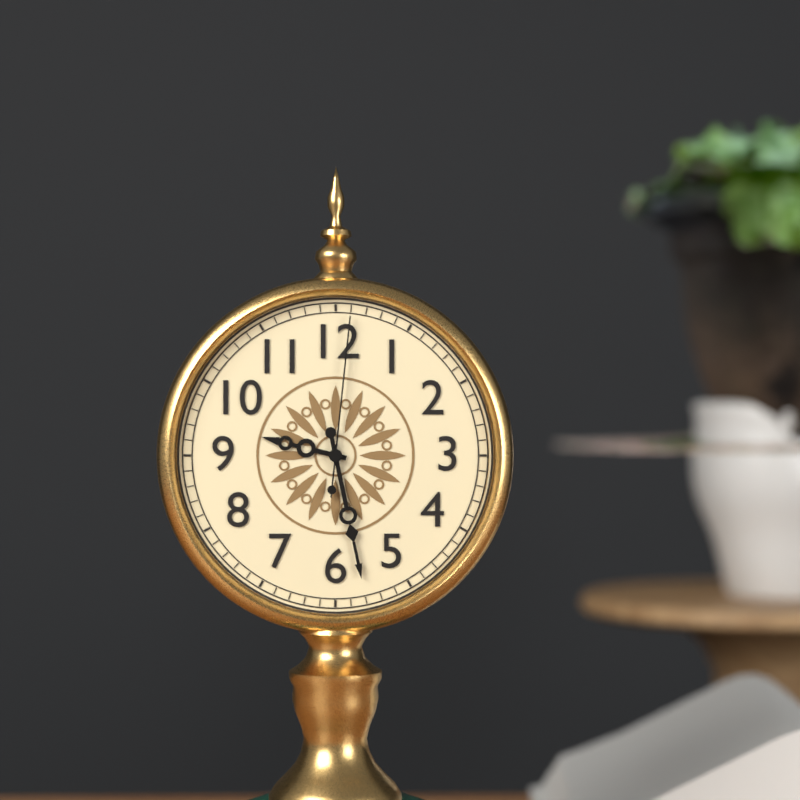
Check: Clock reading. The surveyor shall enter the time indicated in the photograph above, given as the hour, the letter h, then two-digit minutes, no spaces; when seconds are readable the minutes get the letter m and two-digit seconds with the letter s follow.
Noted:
9h28m01s
